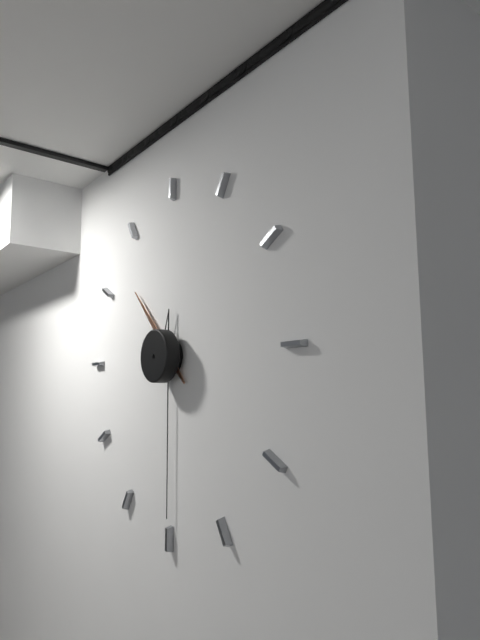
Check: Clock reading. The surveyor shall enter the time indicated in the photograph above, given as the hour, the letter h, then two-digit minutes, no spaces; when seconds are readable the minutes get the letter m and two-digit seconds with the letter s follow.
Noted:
10h30
